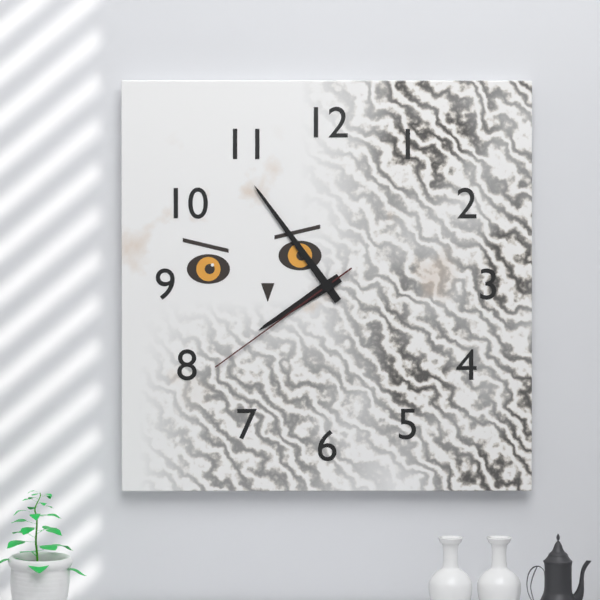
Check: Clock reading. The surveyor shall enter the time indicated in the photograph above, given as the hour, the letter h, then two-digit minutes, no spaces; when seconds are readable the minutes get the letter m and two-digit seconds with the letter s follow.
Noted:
7h54m39s
